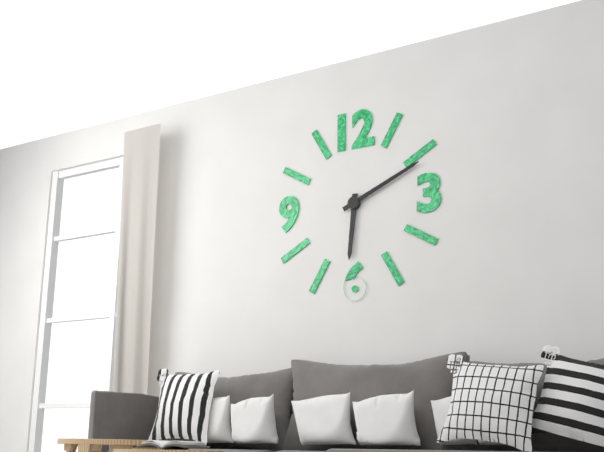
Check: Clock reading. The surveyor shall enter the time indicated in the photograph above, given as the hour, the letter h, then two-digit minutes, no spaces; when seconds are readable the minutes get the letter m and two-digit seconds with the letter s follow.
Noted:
6h11
